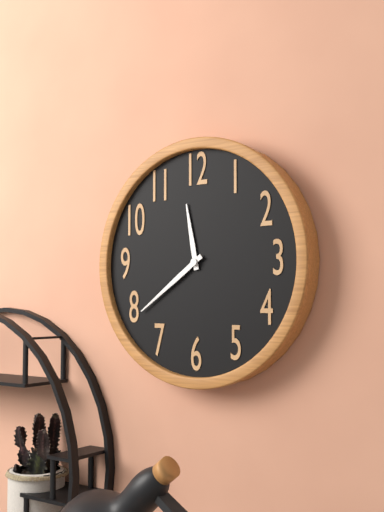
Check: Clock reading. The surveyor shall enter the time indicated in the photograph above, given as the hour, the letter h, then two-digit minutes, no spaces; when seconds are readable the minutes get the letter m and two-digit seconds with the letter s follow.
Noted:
11h39
